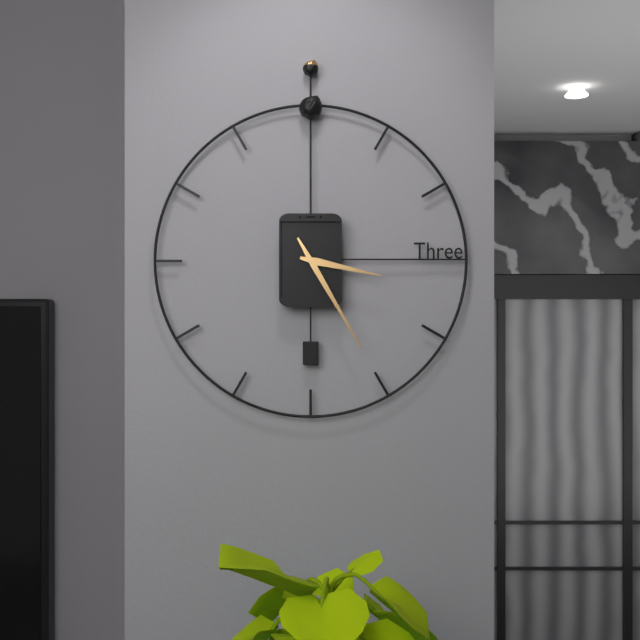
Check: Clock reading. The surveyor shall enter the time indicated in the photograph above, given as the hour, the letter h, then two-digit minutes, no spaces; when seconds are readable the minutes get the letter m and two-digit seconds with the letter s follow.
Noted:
3h25
